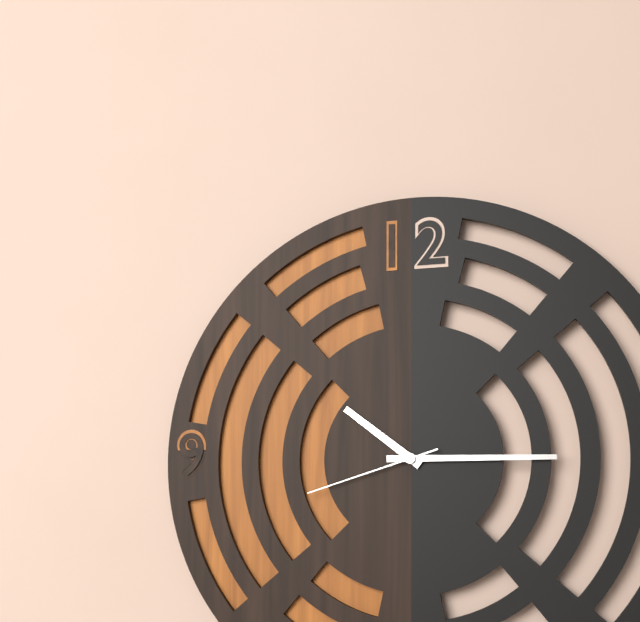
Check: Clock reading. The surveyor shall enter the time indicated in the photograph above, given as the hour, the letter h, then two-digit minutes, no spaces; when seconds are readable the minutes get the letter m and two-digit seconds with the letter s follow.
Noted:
10h15m42s
